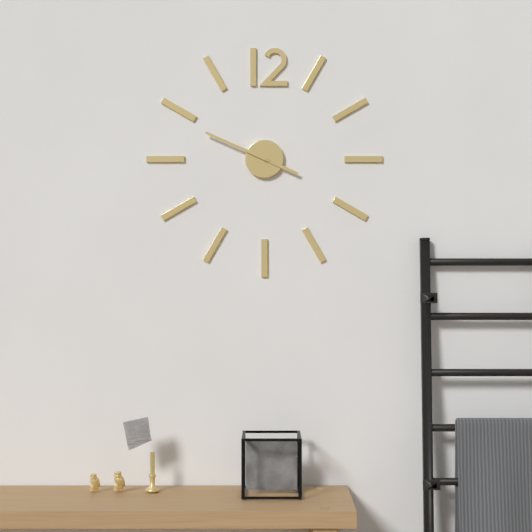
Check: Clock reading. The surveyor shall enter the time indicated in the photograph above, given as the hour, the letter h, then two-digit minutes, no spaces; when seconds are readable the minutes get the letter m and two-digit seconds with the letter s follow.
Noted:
3h49
